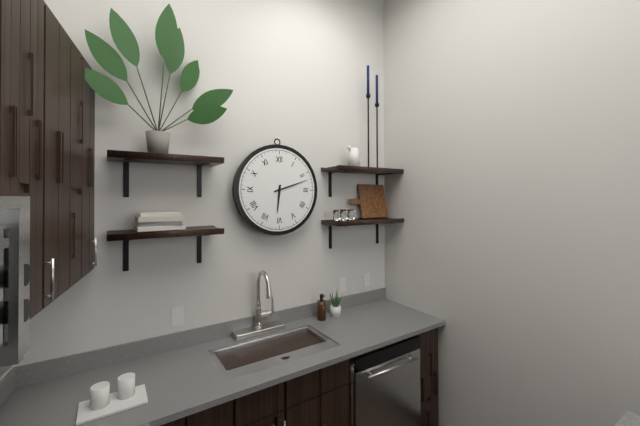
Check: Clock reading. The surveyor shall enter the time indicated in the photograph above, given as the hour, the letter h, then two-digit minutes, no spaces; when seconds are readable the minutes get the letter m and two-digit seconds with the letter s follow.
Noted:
6h12
